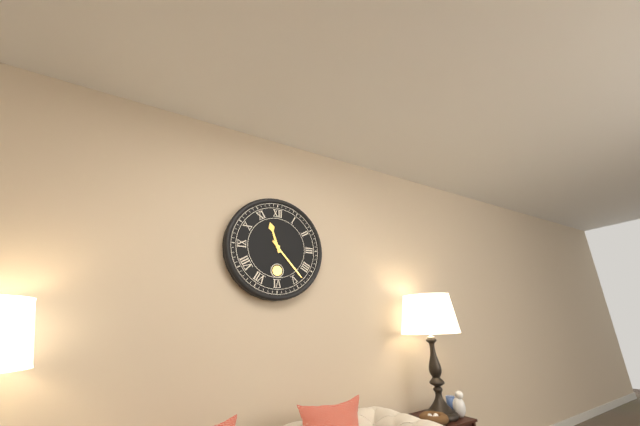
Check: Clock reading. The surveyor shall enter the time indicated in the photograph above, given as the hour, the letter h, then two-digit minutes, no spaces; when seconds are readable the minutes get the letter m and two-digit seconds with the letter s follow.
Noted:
11h23
